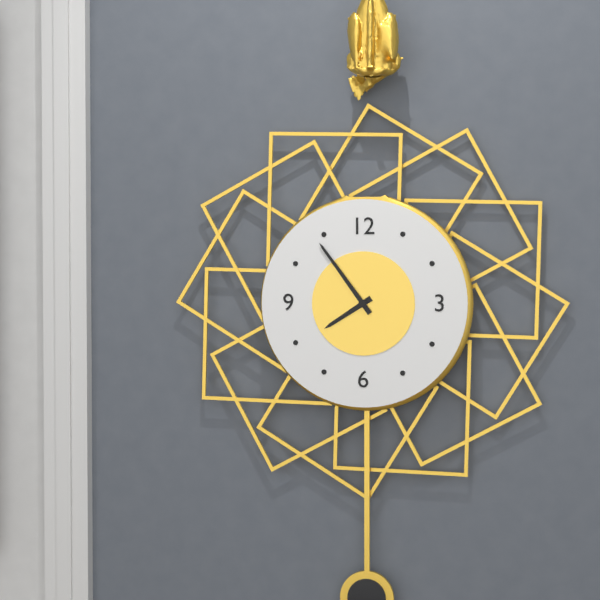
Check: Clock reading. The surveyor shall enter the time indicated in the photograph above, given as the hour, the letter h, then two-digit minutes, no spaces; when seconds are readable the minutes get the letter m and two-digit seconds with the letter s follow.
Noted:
7h54
